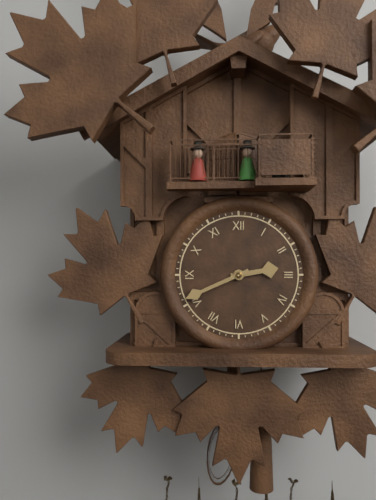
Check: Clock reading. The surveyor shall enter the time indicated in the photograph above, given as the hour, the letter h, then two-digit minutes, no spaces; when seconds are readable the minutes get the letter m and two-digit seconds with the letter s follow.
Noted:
2h41
